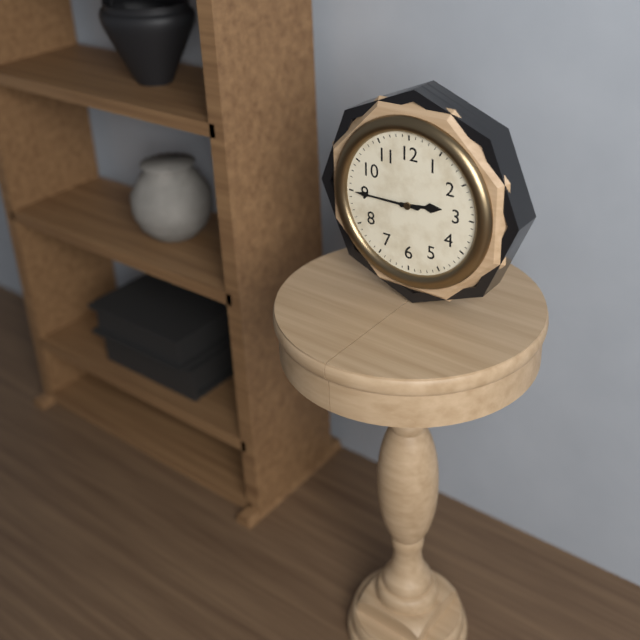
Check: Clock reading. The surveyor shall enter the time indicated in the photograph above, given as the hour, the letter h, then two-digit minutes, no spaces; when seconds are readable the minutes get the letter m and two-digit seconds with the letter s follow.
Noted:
2h45
